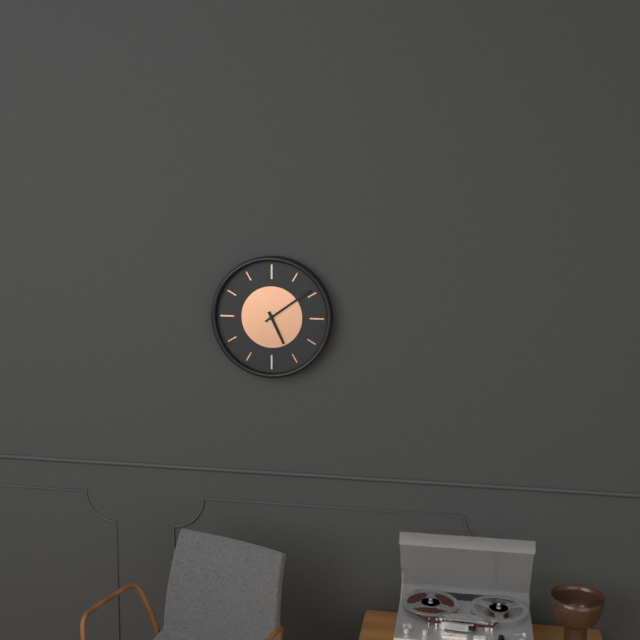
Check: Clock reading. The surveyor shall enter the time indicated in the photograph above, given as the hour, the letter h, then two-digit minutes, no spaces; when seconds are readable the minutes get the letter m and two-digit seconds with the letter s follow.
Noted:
5h09
